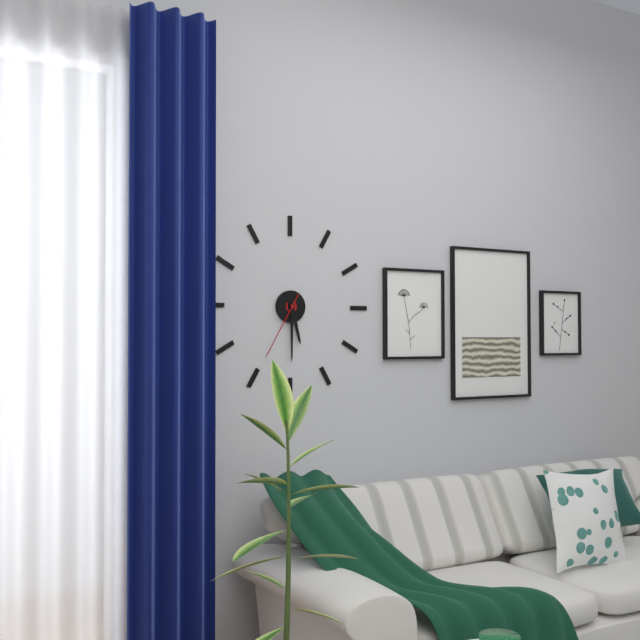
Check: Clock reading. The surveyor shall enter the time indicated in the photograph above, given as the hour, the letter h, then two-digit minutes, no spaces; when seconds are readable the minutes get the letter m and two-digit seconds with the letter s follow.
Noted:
5h30m35s
